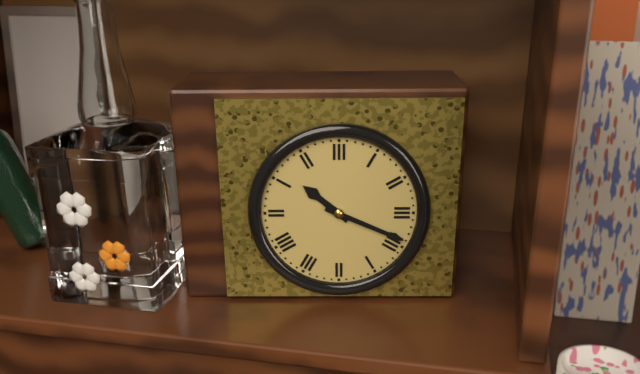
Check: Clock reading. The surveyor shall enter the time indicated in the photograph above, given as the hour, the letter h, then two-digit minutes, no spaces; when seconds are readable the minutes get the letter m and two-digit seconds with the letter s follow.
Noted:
10h19
